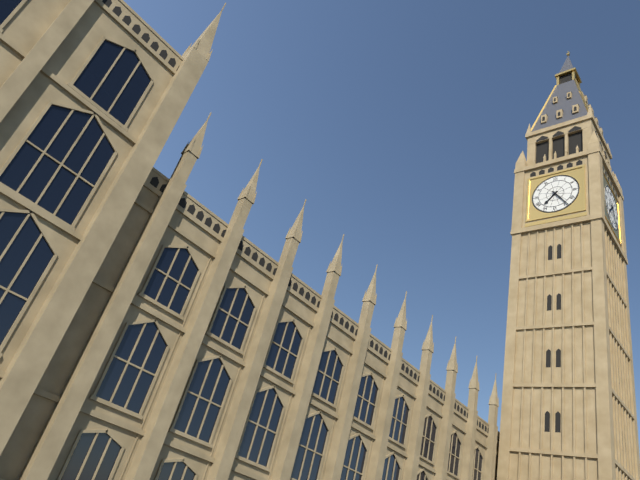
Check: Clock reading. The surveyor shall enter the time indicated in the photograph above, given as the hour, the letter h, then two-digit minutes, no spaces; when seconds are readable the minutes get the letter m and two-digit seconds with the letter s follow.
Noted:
7h24
